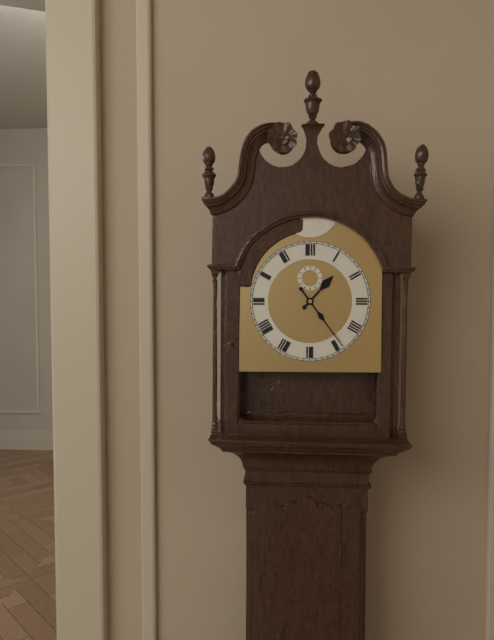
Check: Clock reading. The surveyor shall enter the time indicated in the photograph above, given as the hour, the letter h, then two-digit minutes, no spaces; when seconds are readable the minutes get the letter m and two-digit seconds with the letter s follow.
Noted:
1h24
